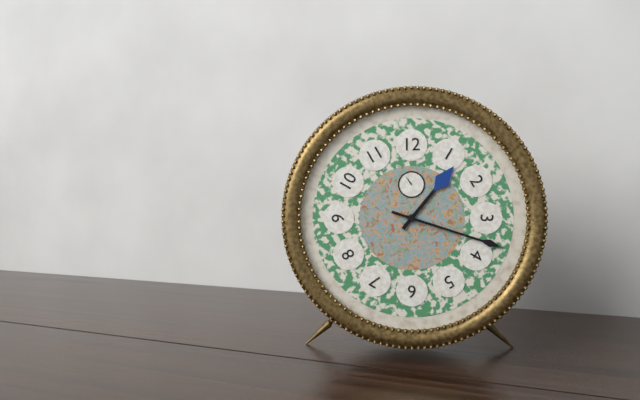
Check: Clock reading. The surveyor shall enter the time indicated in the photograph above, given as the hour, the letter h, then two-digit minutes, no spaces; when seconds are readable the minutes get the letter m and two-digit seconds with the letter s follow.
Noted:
1h18
